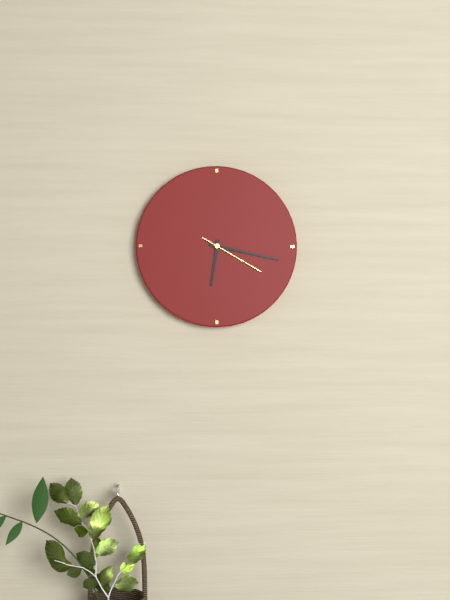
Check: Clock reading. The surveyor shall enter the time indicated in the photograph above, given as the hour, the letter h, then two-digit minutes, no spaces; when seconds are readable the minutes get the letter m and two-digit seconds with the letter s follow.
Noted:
6h17m20s
